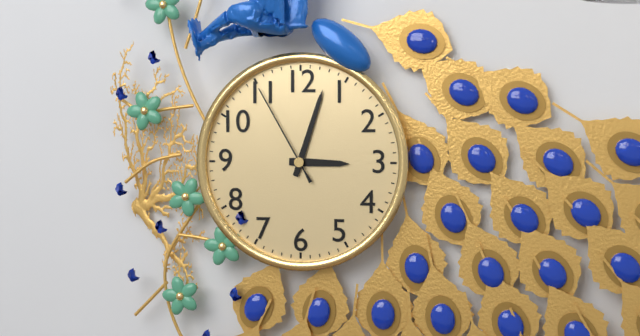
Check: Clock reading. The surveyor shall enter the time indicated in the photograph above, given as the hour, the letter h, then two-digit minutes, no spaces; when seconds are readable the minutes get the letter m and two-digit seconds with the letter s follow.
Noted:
3h03m55s
